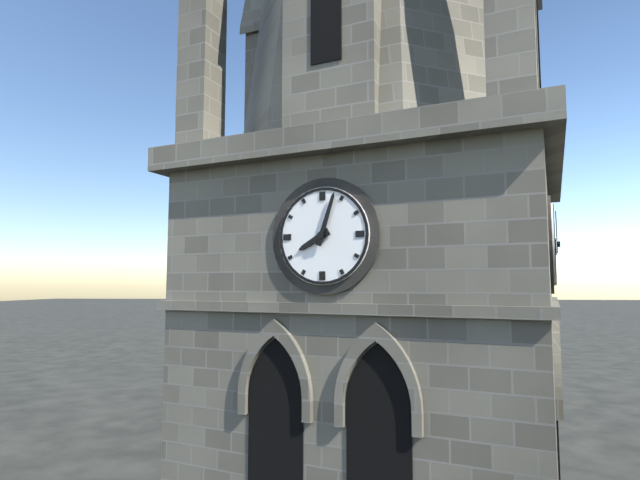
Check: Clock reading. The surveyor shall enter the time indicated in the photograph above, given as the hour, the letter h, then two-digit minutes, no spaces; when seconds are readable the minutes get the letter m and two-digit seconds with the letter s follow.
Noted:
8h03
